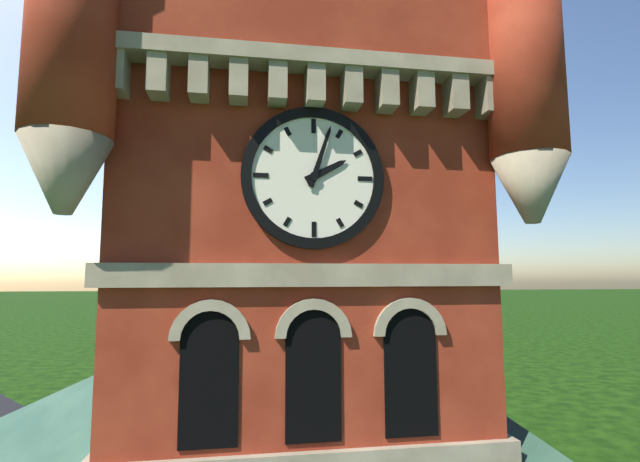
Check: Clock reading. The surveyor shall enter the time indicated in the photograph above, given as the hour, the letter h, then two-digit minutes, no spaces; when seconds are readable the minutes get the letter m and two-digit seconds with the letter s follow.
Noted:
2h03
